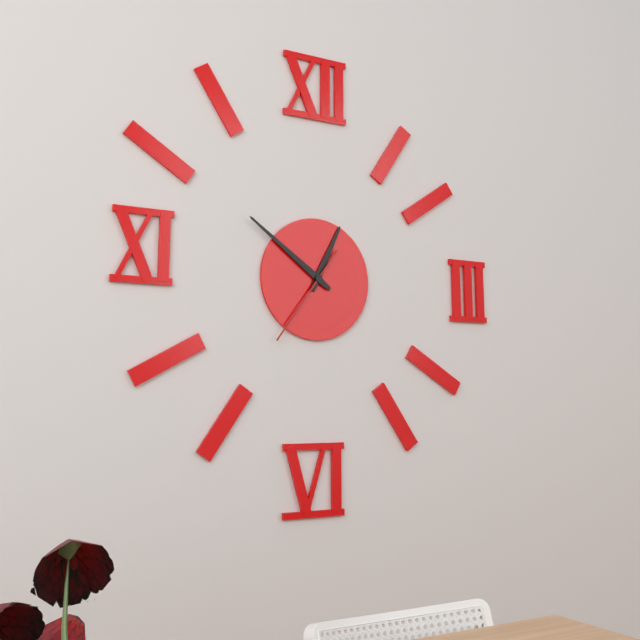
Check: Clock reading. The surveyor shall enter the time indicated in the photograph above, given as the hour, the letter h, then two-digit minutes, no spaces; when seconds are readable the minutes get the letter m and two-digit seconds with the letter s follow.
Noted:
12h51m36s
